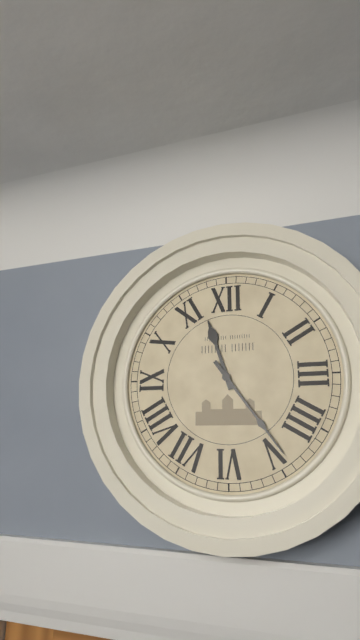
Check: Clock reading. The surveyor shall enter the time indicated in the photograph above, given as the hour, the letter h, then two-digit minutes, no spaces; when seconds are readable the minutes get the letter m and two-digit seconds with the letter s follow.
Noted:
11h24
